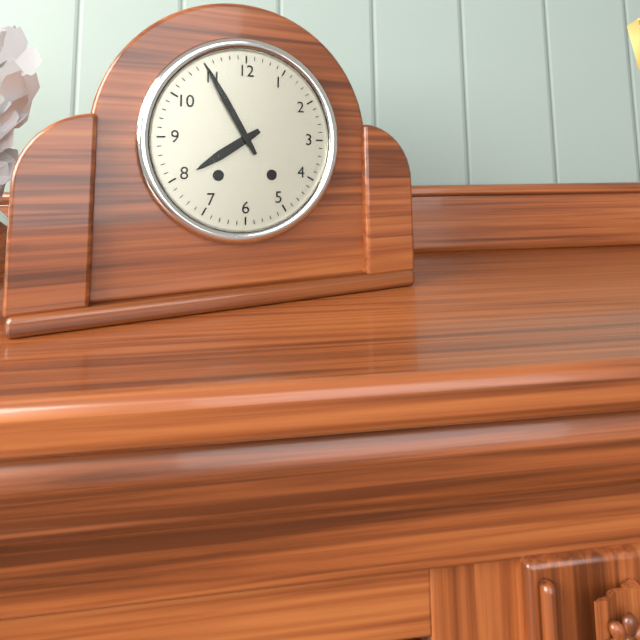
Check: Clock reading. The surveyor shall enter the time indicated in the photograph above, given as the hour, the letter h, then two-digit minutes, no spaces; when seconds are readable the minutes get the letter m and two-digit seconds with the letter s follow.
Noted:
7h55
